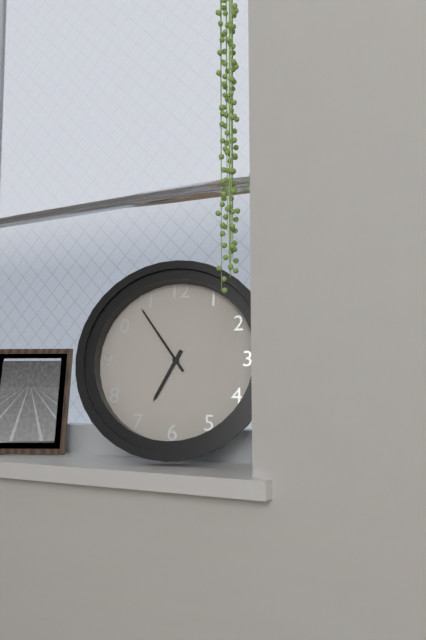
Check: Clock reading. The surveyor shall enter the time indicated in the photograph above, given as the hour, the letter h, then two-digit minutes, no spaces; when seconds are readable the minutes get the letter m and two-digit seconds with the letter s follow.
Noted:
6h54
